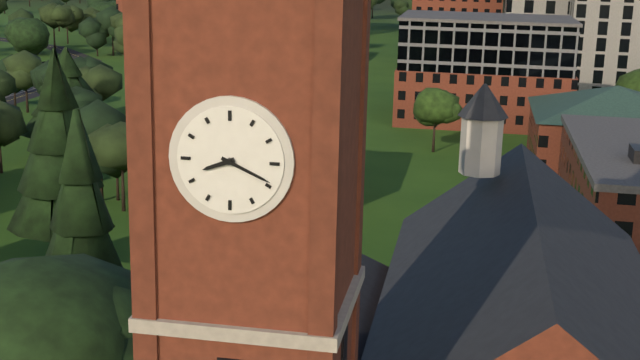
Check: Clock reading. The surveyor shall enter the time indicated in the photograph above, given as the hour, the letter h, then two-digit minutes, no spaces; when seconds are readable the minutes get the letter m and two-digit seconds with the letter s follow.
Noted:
8h19
